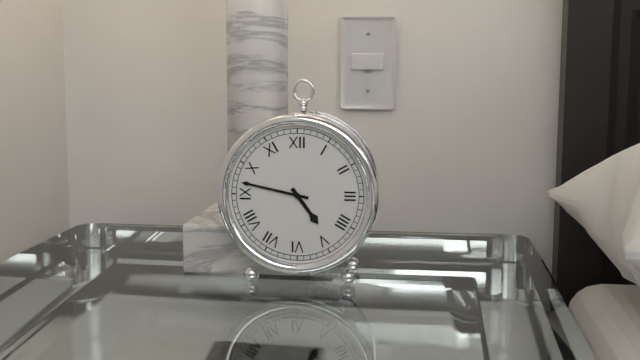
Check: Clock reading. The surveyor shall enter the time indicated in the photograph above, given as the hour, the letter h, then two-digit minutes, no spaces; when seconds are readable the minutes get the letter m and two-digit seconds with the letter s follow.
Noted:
4h47
